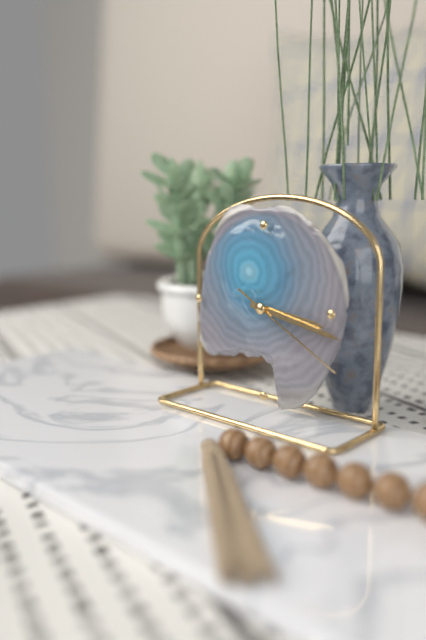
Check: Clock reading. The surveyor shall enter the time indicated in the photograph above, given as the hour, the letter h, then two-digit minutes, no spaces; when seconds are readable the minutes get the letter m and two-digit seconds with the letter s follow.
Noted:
3h17m20s
